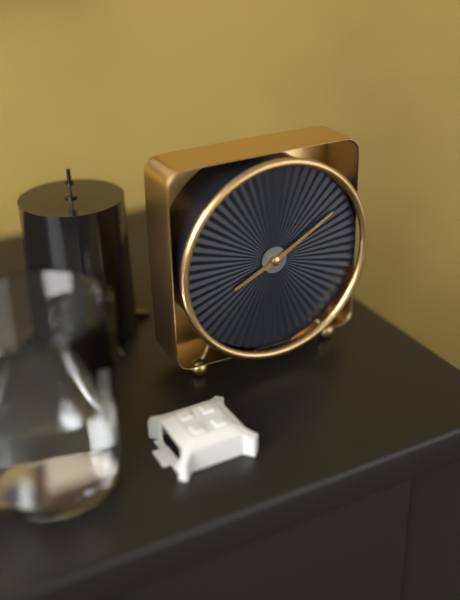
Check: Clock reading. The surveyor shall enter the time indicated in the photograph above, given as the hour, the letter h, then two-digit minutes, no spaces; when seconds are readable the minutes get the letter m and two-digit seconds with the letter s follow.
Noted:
8h10
